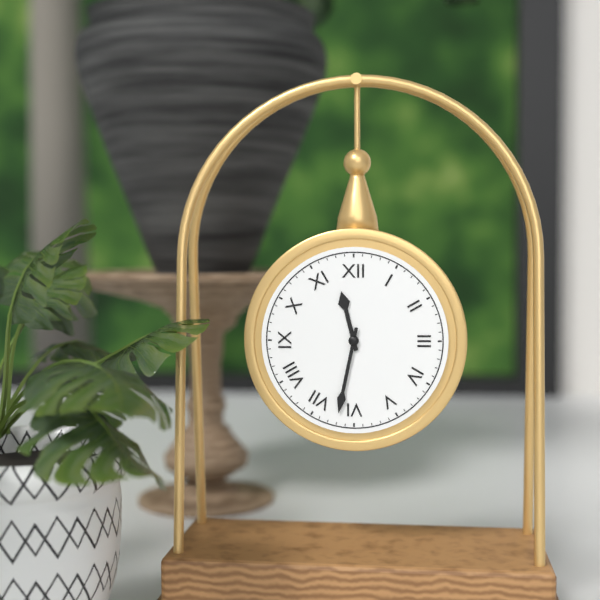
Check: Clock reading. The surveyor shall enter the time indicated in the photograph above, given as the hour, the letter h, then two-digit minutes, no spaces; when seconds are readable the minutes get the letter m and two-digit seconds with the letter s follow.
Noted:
11h32
